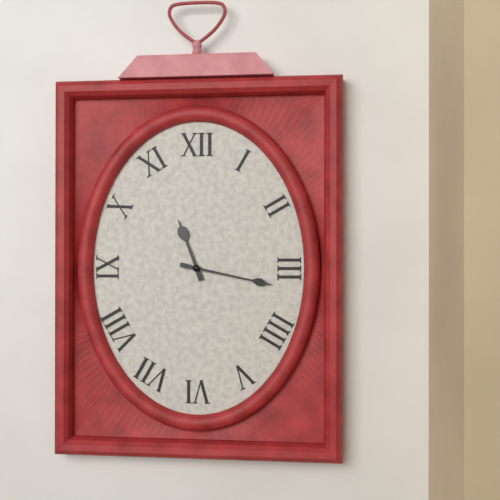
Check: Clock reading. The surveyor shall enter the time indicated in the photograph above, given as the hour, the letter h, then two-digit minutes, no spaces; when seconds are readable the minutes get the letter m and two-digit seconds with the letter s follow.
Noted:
11h17
